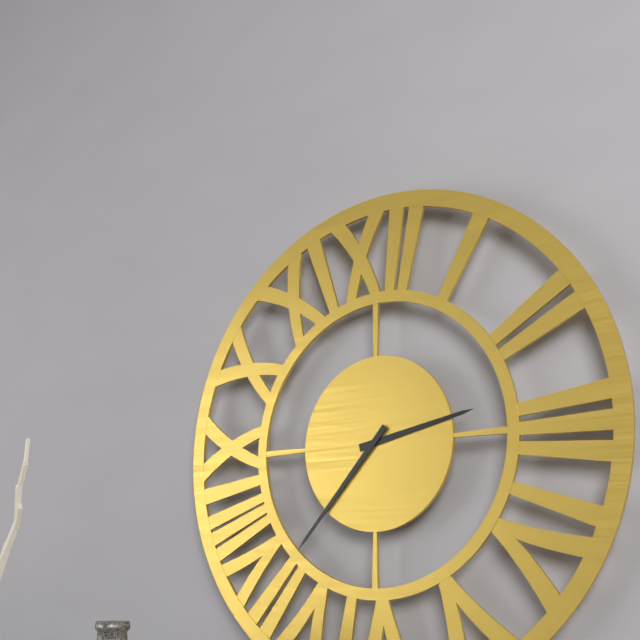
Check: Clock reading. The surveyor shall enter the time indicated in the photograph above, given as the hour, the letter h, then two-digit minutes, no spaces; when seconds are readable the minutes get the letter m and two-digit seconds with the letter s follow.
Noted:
2h37
